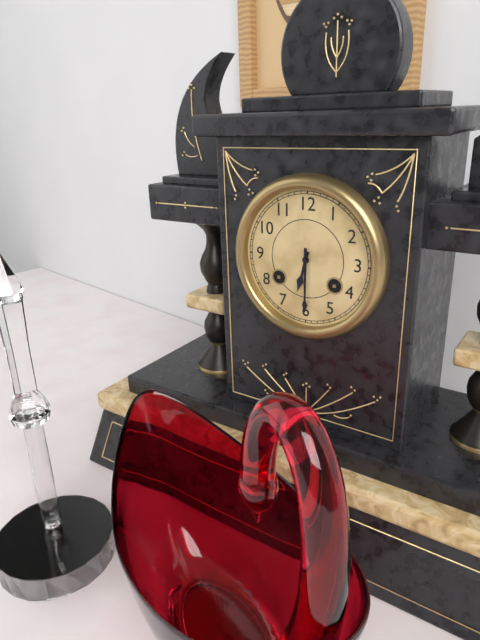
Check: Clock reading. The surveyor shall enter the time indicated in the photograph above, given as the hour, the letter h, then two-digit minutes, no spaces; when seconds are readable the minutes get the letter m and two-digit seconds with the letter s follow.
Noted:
6h30
